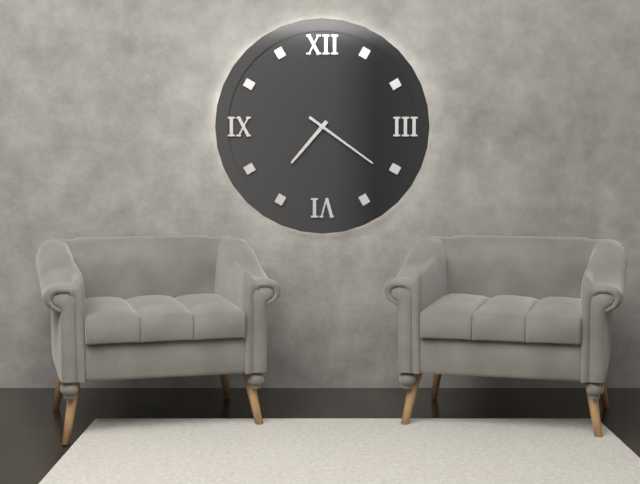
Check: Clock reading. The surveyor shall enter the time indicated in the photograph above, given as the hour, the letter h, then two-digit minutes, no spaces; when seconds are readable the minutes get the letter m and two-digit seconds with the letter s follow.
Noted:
7h21
